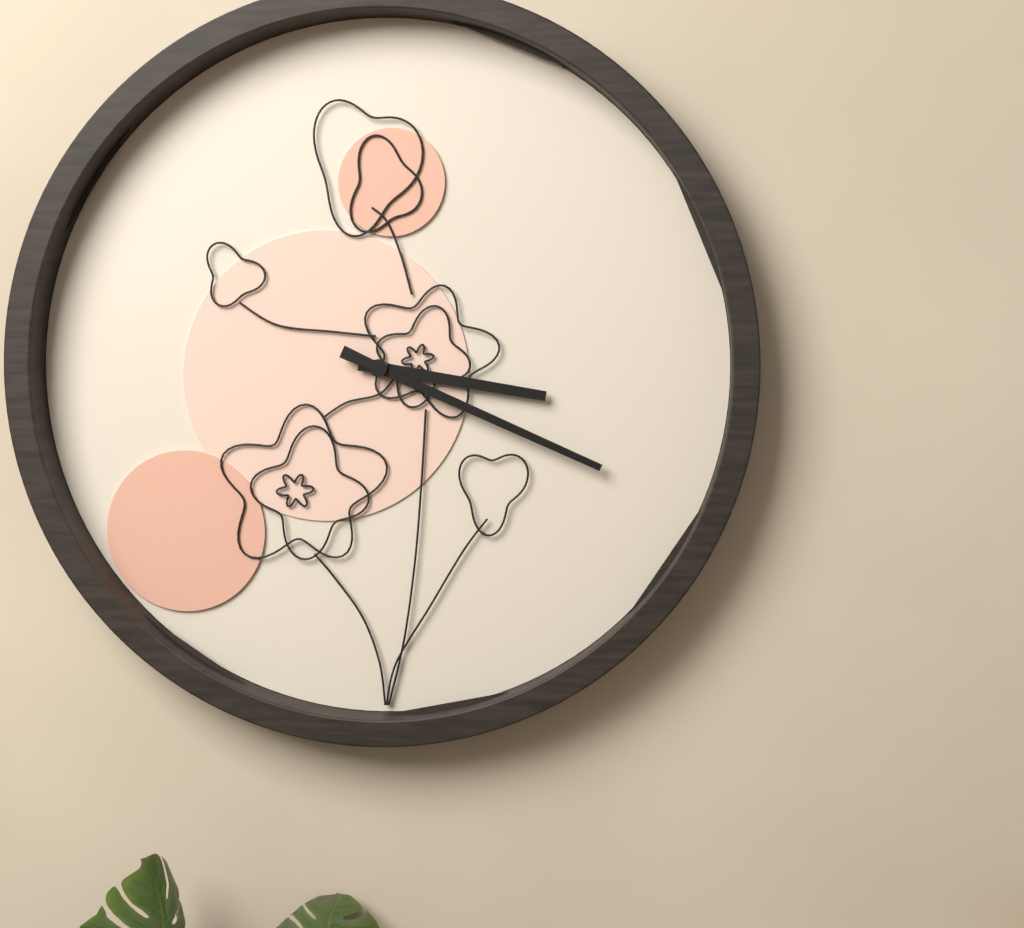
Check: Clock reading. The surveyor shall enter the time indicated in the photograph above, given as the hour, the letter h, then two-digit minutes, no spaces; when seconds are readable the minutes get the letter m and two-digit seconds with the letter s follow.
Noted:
3h19
